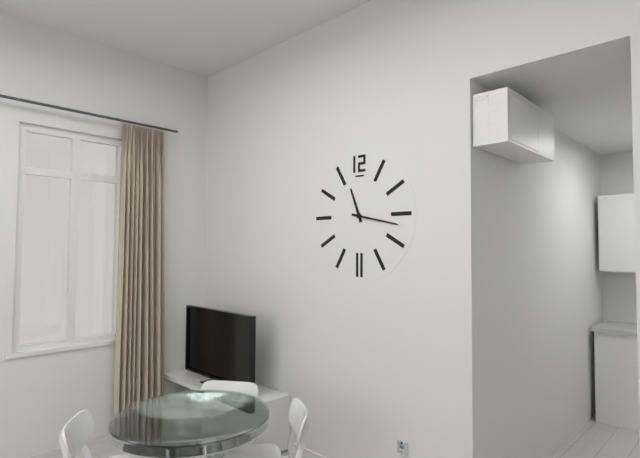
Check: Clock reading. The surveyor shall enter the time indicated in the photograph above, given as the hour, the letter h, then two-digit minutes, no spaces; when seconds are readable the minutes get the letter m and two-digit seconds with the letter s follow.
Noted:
11h17
